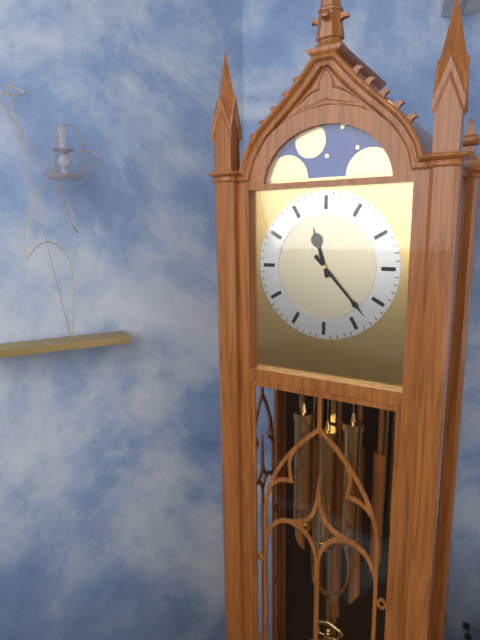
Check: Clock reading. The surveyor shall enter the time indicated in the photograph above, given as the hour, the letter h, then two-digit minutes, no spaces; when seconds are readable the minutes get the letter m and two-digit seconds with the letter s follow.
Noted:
11h23
